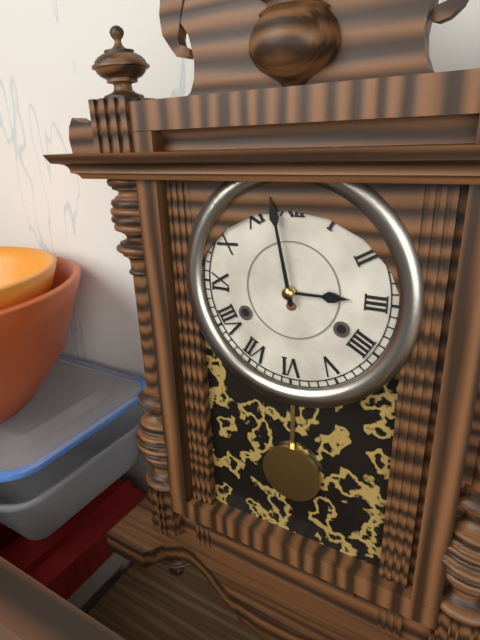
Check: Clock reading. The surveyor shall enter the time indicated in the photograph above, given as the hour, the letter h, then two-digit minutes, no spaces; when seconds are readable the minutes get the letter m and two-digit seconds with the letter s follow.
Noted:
2h58
